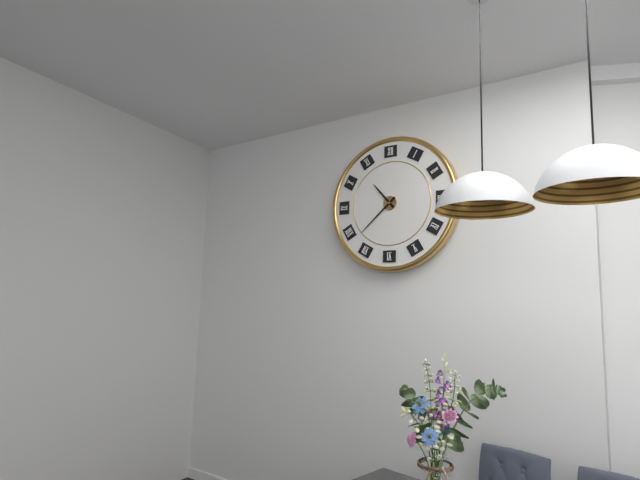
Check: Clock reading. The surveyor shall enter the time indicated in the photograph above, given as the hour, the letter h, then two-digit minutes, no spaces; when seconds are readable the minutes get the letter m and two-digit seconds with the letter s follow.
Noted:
10h38
